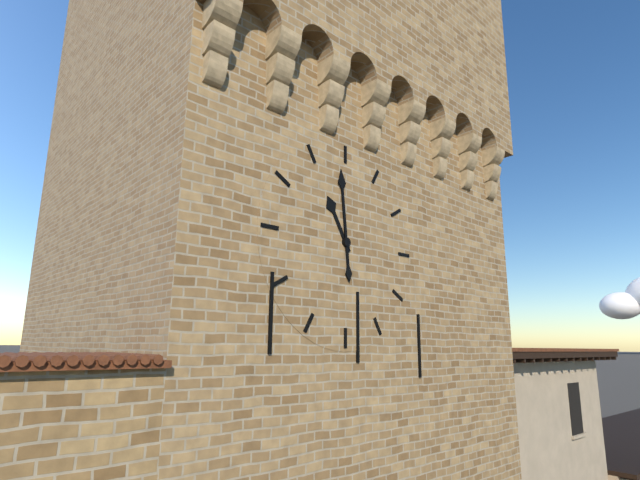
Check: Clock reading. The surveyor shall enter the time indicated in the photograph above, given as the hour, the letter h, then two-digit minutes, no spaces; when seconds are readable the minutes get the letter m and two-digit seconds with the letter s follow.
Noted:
10h59
